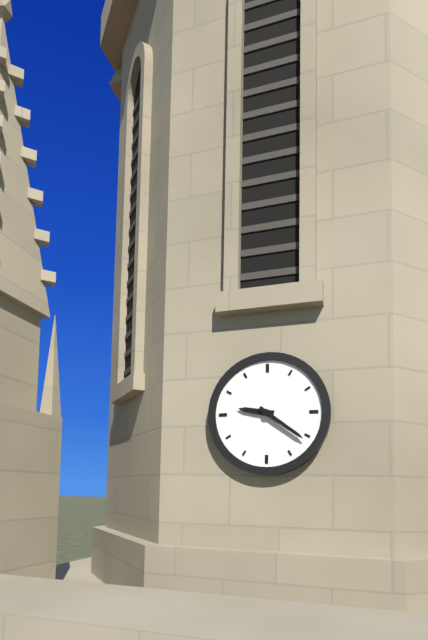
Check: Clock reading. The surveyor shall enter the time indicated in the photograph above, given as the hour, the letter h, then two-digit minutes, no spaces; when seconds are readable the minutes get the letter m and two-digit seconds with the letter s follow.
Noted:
9h21
